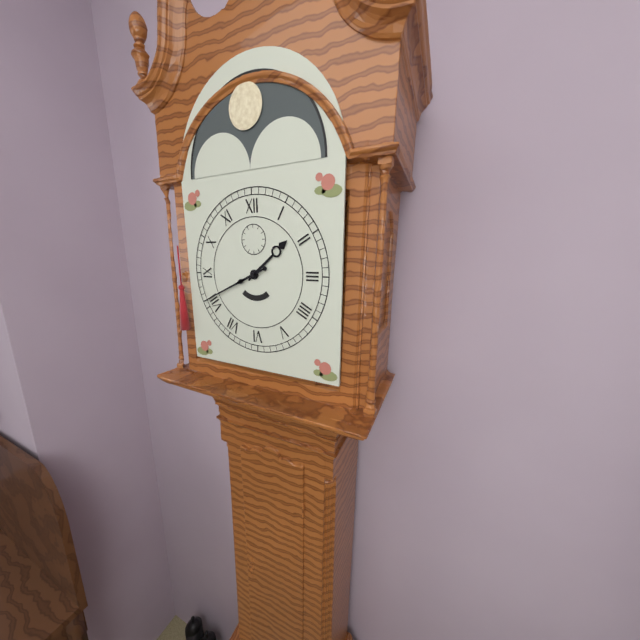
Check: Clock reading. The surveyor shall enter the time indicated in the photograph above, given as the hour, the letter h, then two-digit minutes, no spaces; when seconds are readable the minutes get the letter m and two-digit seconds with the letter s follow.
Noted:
1h41
